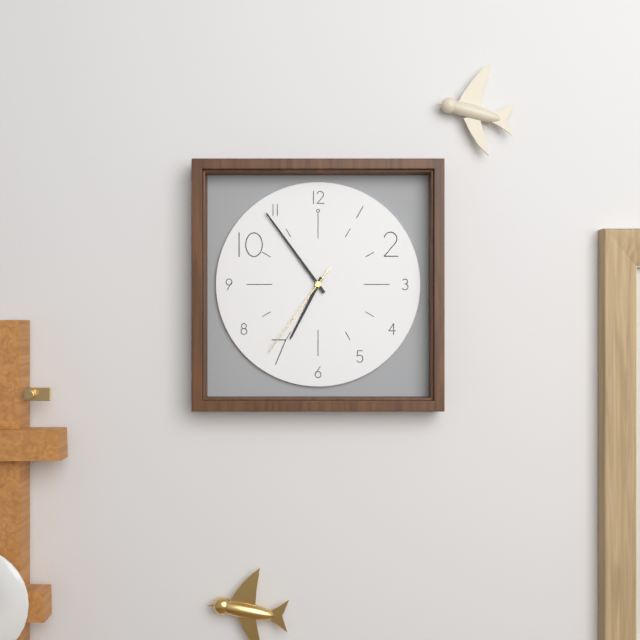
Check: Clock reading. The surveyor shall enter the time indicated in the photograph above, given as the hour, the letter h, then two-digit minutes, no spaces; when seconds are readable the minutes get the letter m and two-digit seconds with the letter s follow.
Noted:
6h54m36s
